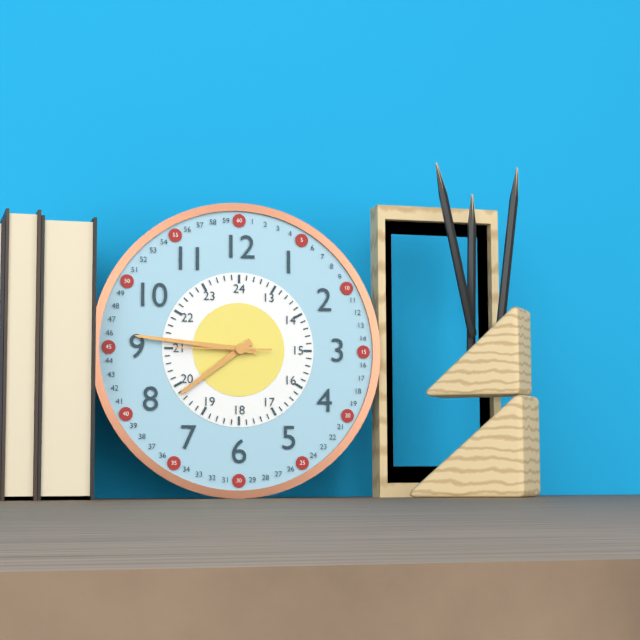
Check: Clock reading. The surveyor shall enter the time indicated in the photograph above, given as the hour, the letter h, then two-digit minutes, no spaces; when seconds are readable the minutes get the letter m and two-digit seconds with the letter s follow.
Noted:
7h46m45s
